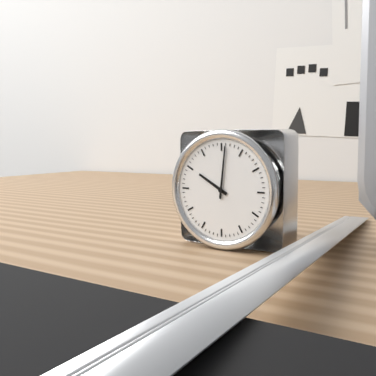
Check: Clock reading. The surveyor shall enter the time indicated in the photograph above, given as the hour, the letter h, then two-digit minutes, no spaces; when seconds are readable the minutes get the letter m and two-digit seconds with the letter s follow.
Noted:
10h01
